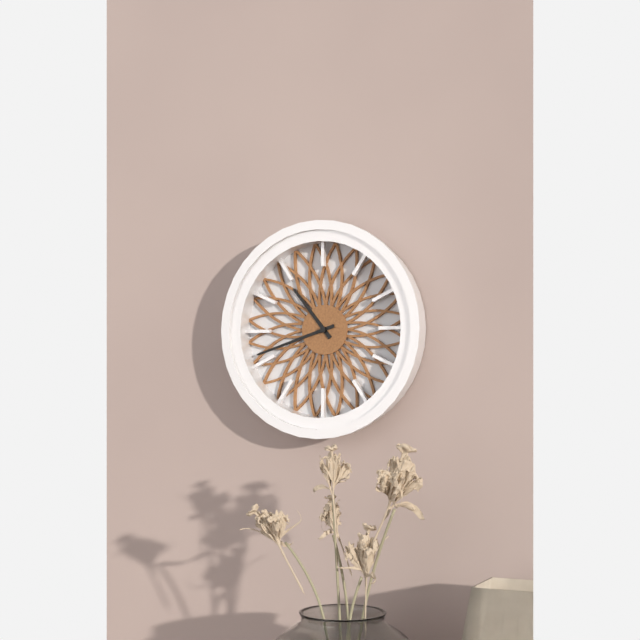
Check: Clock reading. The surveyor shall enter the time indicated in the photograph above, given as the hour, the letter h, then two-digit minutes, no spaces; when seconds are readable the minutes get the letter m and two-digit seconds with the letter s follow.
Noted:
10h42
